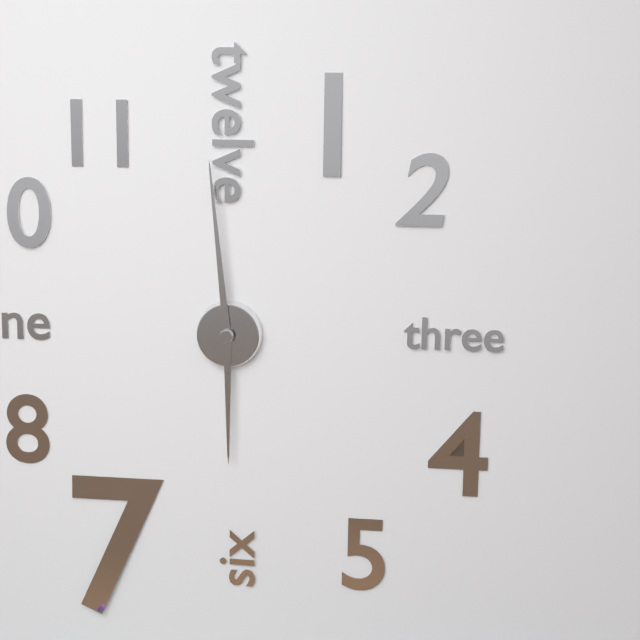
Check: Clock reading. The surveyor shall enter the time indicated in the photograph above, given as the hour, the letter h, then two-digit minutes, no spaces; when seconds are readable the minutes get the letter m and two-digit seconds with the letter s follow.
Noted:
5h59
